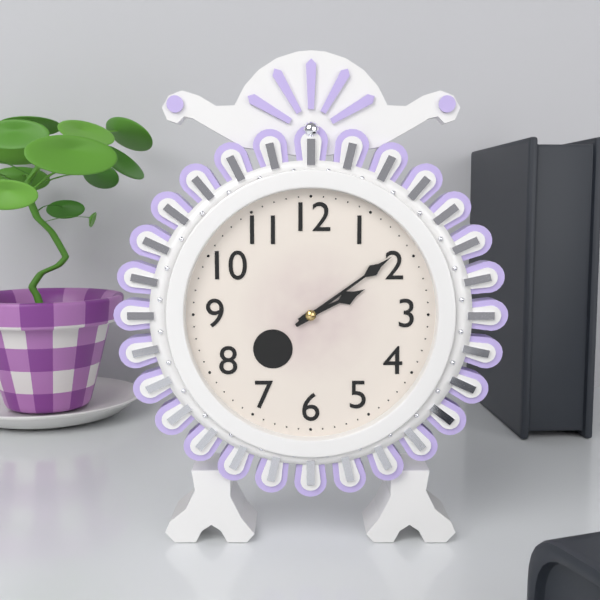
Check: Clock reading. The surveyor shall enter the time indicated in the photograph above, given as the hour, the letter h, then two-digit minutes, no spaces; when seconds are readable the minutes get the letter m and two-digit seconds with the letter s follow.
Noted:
2h09
